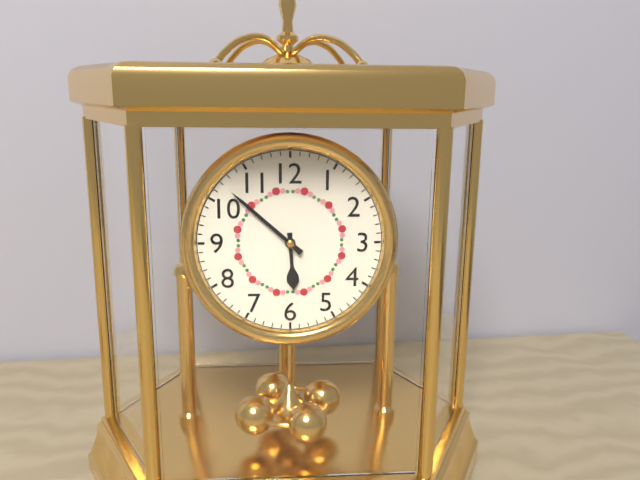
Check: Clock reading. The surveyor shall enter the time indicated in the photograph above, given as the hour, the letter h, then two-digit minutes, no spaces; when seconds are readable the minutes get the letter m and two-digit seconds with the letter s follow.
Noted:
5h52
